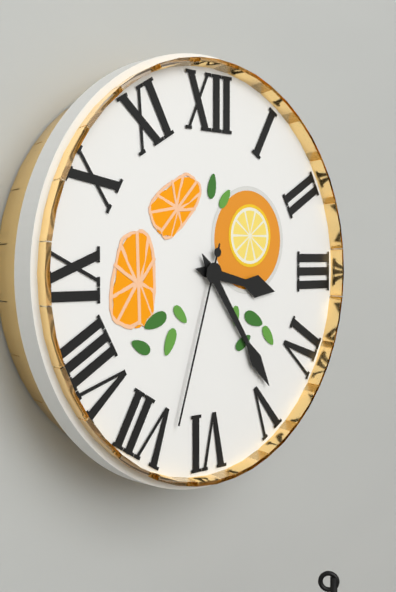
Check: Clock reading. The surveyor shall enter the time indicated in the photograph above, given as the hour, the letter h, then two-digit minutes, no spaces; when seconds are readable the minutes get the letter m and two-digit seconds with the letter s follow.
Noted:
3h24m33s
